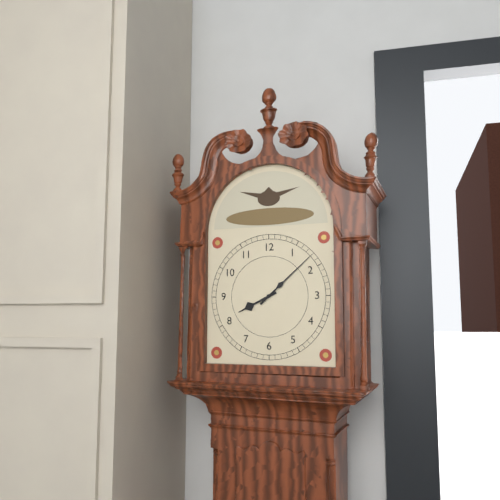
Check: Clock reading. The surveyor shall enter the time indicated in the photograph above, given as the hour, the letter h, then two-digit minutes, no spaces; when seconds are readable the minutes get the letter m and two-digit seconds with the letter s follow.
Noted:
8h08
